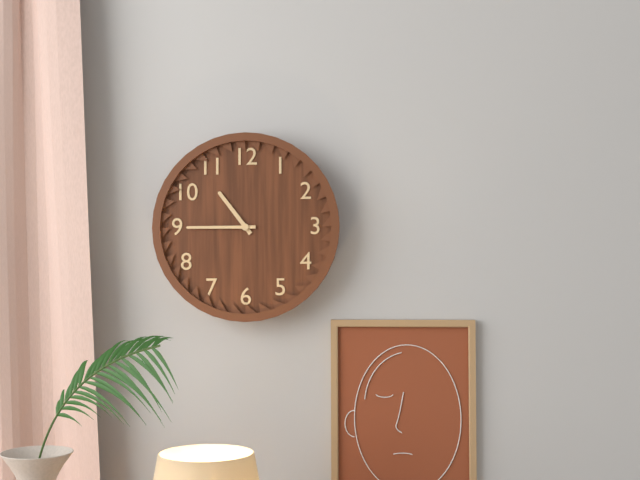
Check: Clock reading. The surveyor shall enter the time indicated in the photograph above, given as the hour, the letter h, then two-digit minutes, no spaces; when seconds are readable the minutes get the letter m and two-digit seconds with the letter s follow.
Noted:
10h45
